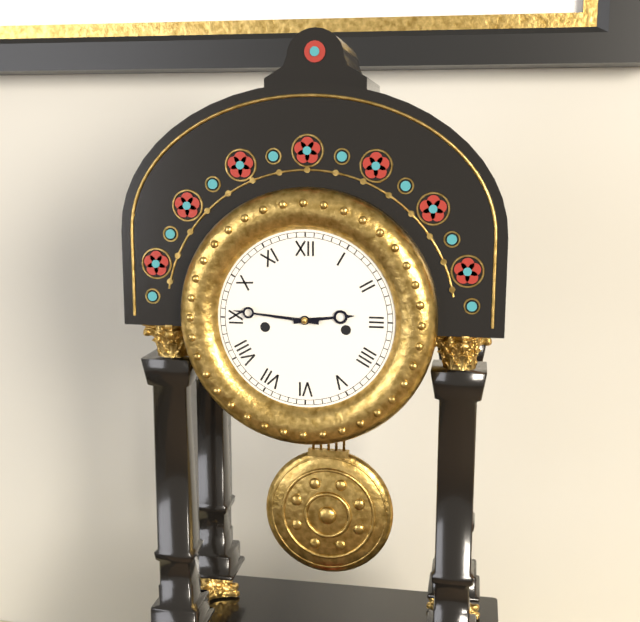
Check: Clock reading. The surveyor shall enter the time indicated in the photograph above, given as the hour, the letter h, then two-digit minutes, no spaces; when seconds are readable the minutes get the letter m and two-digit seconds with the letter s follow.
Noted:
2h46
